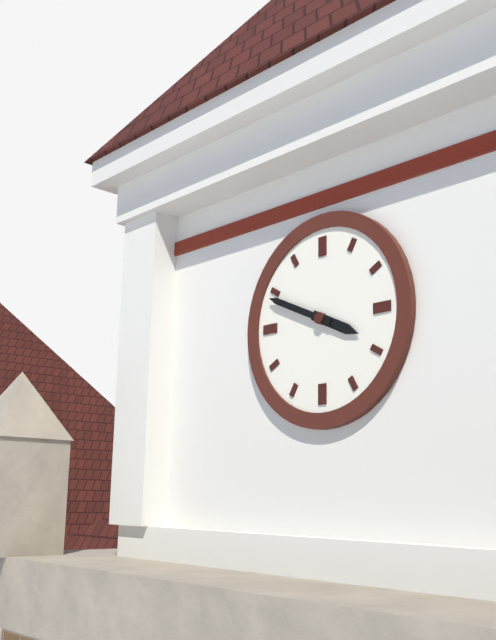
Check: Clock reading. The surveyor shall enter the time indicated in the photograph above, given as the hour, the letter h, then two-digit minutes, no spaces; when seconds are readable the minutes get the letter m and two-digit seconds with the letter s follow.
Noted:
3h49
